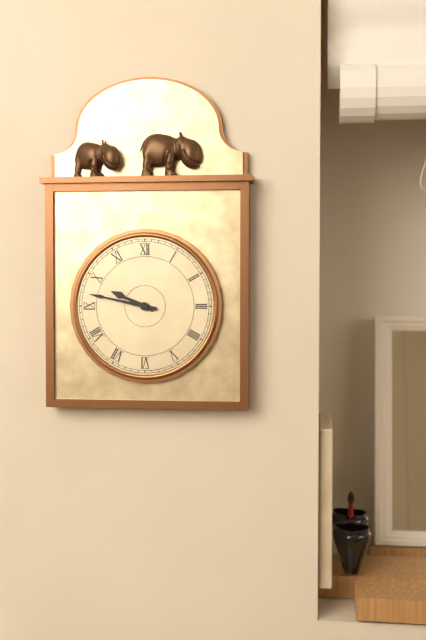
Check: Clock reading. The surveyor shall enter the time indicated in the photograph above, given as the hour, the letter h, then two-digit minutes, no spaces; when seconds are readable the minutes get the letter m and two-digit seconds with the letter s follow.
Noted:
9h47
